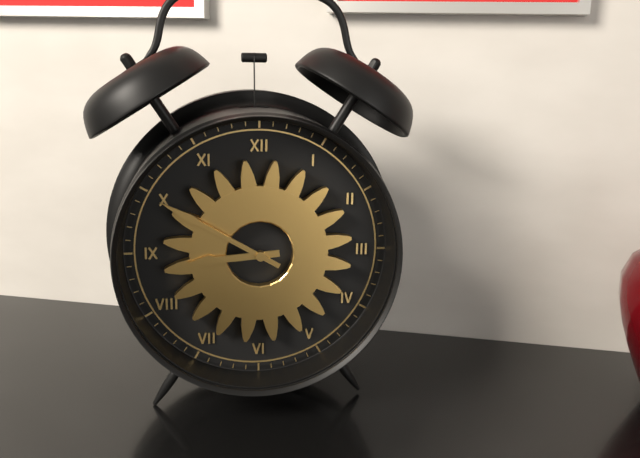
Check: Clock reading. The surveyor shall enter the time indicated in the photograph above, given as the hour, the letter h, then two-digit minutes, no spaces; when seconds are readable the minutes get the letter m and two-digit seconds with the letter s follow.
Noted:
8h50
